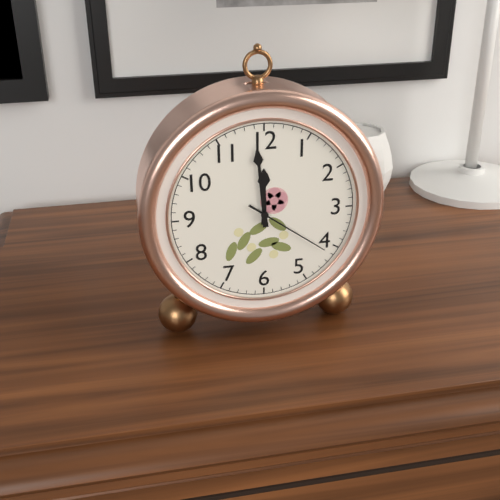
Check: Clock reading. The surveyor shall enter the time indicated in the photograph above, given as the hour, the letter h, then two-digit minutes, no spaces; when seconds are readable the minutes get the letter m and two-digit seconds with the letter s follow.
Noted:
11h59m21s
